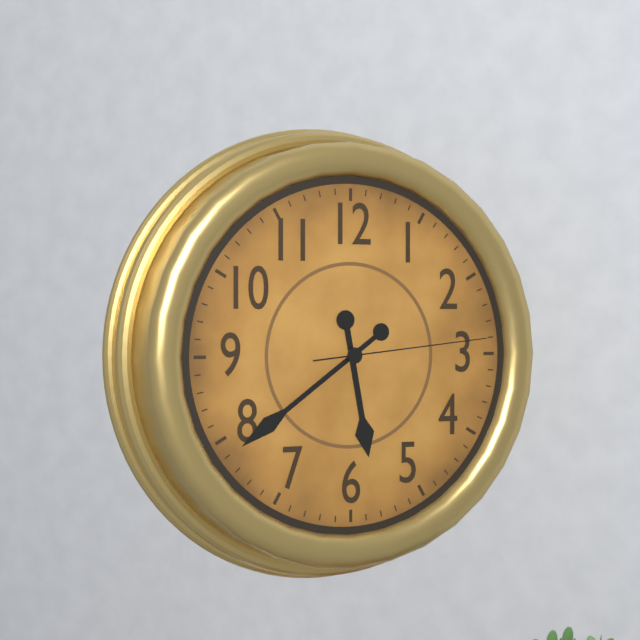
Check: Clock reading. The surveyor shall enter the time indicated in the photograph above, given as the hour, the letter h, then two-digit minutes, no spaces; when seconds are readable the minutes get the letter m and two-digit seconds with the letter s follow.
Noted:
5h39m14s
